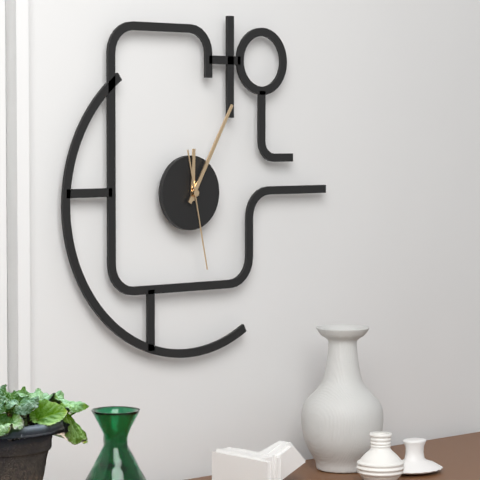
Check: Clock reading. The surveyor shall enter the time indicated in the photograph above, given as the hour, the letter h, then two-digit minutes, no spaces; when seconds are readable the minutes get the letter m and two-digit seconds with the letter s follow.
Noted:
12h05m28s
